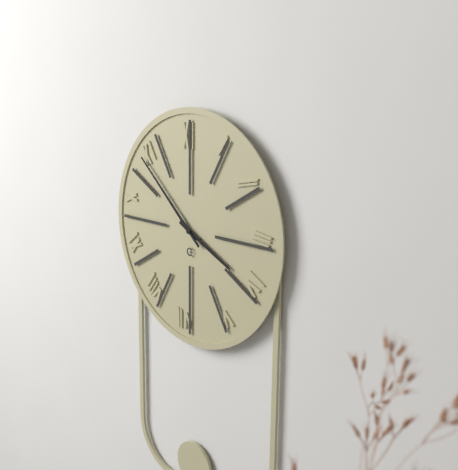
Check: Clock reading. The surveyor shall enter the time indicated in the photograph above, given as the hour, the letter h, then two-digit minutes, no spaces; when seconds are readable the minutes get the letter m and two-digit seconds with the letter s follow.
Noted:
3h52
